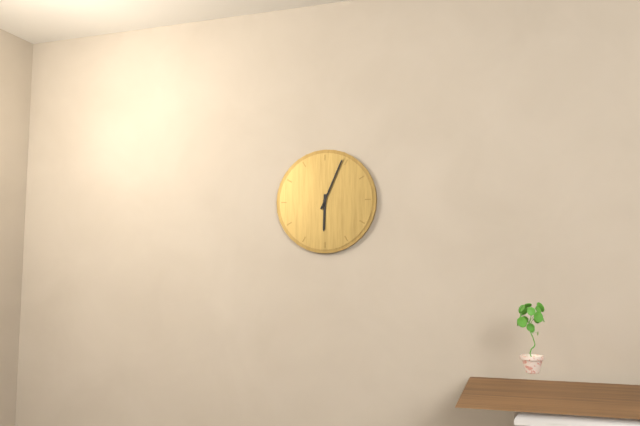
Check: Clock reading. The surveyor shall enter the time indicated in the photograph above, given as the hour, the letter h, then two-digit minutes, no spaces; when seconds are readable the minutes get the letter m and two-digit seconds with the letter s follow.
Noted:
6h04
